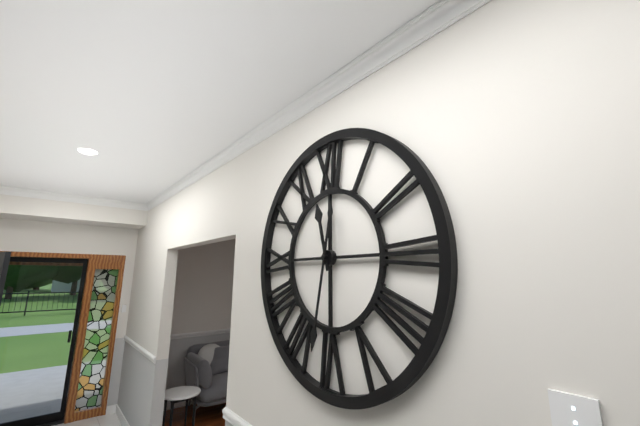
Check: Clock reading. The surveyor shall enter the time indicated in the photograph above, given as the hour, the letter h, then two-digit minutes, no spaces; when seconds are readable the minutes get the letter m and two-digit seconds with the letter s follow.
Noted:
11h32
